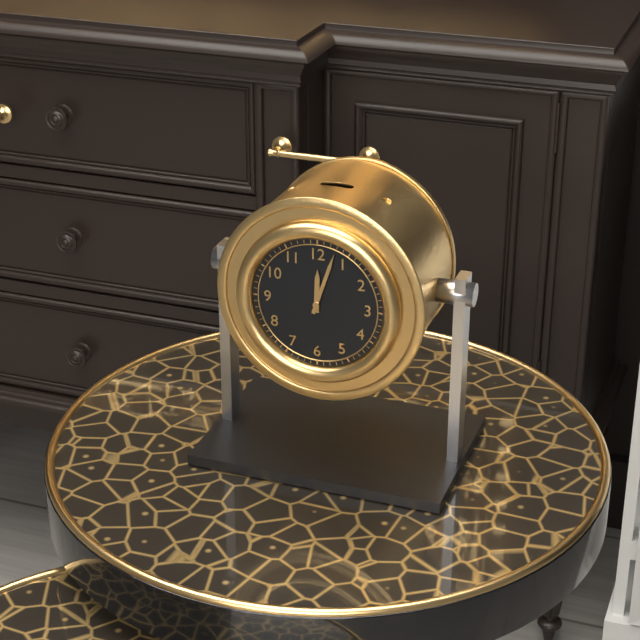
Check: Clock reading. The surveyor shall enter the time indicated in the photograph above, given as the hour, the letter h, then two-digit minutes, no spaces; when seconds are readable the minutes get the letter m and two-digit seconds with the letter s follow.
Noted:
12h03
